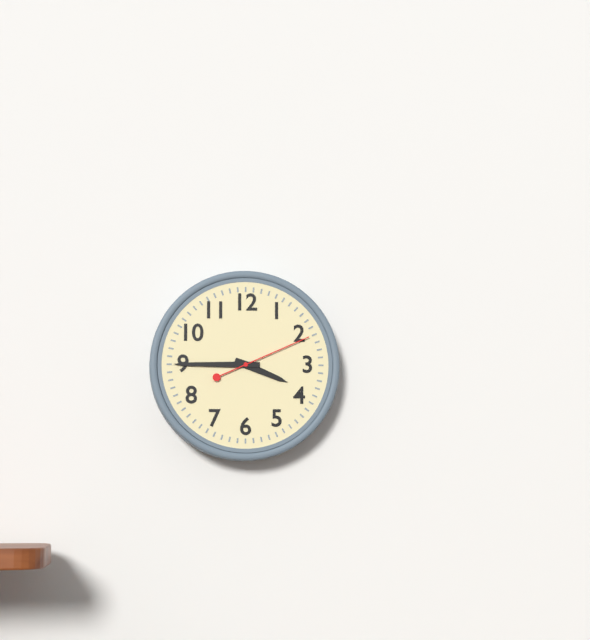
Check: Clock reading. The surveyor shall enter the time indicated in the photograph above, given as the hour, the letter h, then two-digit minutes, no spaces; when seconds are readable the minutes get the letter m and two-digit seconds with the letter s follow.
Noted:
3h45m11s
